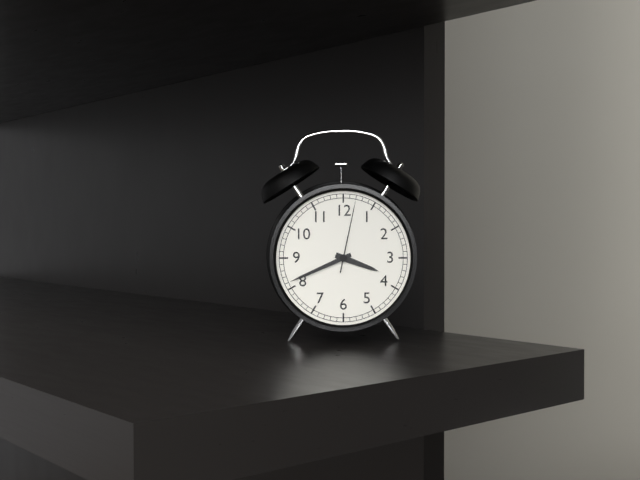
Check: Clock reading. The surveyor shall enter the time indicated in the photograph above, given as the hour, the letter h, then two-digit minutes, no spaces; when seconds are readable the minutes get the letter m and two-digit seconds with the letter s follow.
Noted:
3h41m02s
